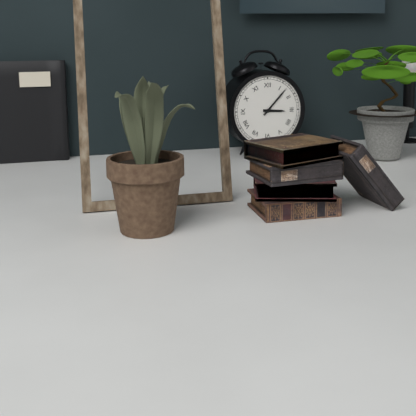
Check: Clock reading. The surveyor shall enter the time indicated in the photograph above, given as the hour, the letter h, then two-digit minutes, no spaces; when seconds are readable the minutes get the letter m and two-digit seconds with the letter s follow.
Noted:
3h07
